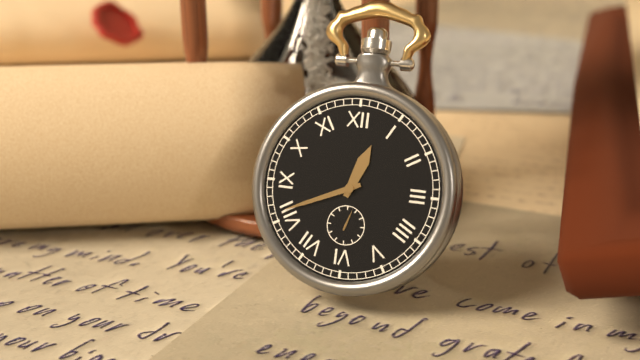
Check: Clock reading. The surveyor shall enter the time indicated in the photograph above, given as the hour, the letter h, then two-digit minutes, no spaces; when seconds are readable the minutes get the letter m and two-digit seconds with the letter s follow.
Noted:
12h41
